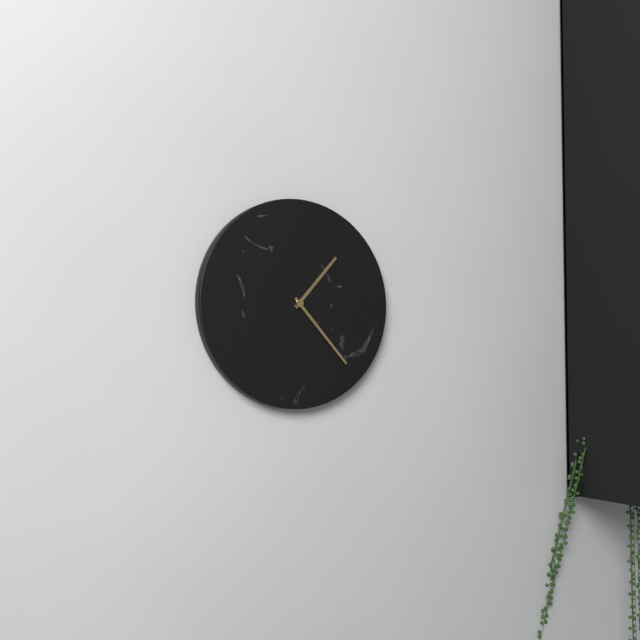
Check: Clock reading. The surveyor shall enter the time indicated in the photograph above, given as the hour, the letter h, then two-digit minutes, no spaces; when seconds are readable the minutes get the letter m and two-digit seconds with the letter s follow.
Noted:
1h23
